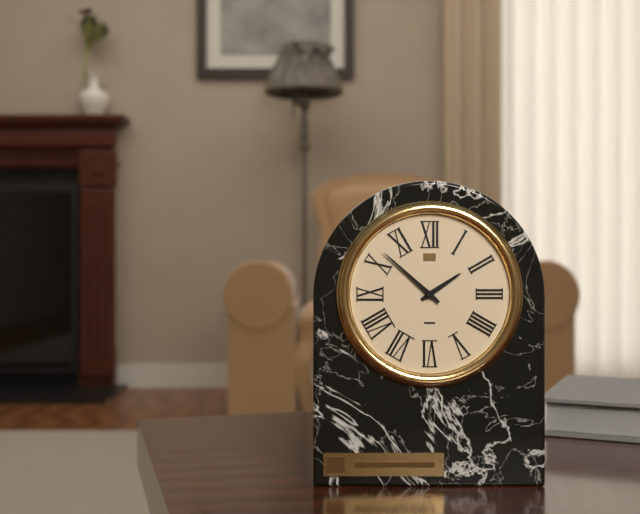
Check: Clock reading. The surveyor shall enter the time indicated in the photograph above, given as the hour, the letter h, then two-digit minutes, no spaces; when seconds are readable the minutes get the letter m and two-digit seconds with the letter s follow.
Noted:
1h52
